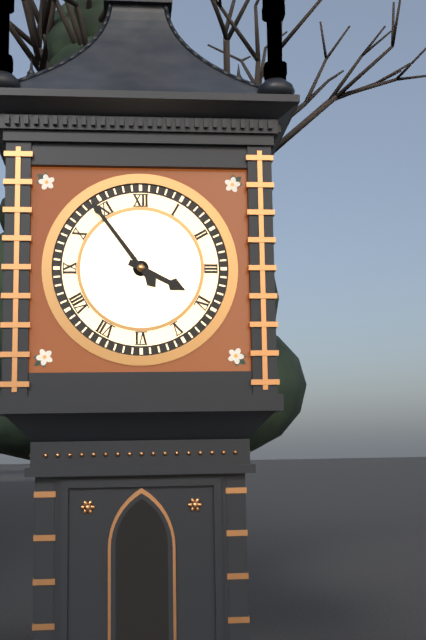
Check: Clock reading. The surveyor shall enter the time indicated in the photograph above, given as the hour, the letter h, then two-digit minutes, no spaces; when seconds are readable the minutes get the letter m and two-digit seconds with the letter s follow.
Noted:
3h54
